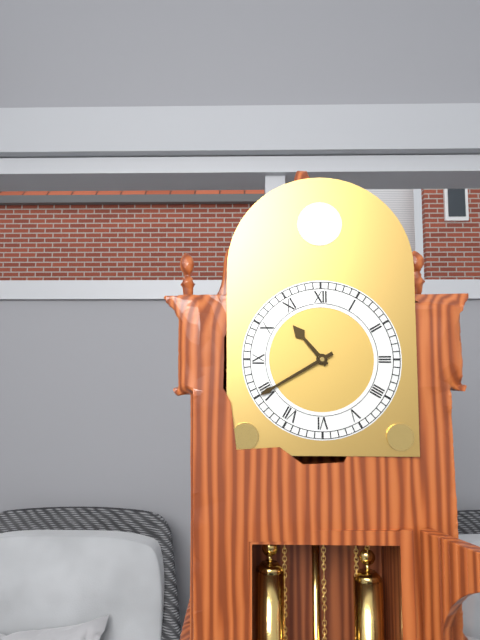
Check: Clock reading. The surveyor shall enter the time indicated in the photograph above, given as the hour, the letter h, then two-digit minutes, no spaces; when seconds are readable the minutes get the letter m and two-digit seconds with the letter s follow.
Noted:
10h40
